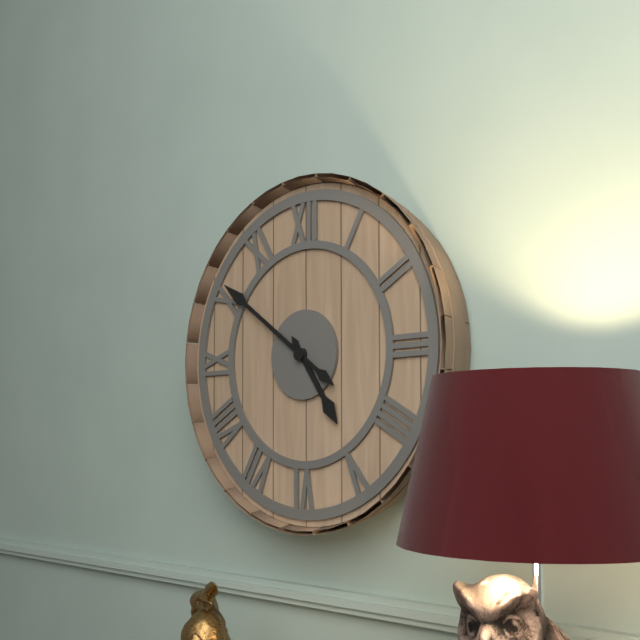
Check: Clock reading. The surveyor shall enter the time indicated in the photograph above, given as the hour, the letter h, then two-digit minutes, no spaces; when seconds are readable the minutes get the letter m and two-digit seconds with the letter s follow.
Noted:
4h51
